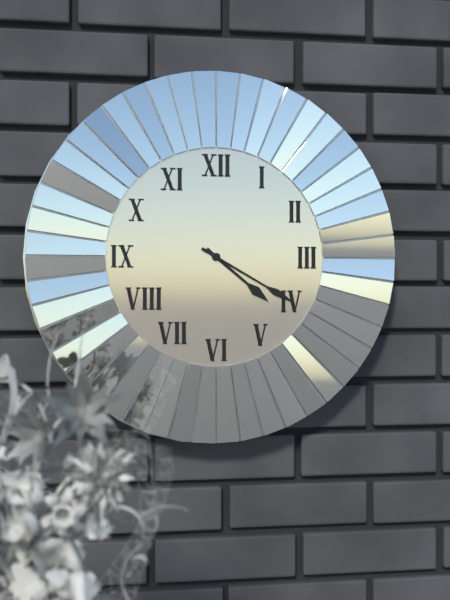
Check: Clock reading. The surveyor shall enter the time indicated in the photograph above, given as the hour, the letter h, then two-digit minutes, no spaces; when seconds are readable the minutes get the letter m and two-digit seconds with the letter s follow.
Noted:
4h20
